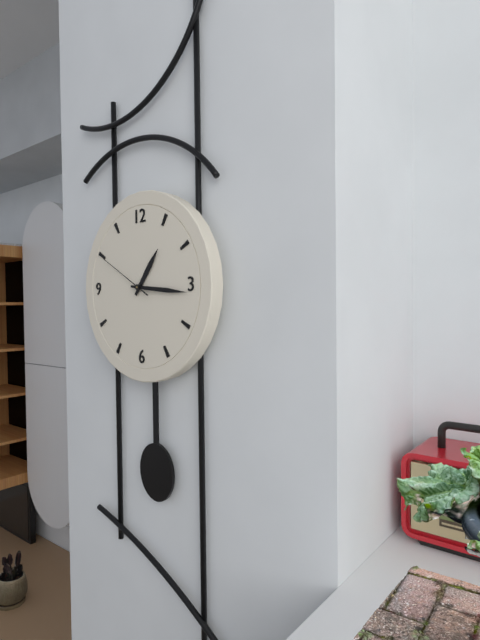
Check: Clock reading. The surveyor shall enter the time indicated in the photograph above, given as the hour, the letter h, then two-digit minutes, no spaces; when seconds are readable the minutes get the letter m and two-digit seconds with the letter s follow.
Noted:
1h16m50s
